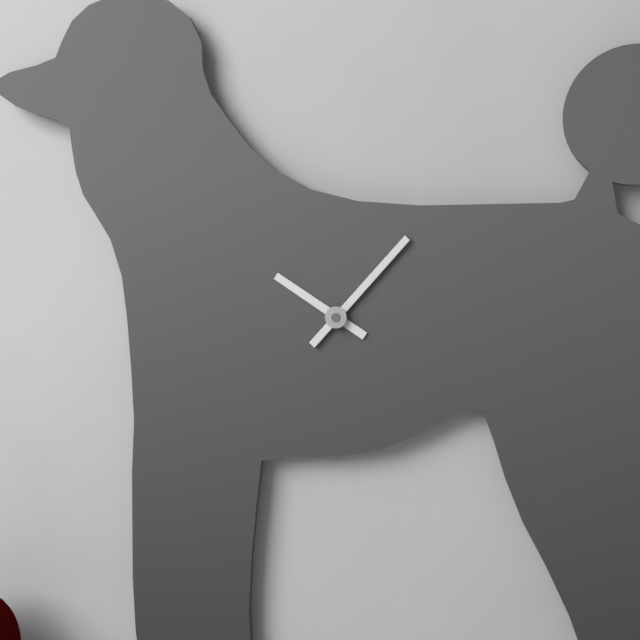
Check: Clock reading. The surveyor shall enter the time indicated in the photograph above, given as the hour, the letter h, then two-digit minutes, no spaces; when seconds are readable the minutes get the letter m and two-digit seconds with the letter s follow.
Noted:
10h07
